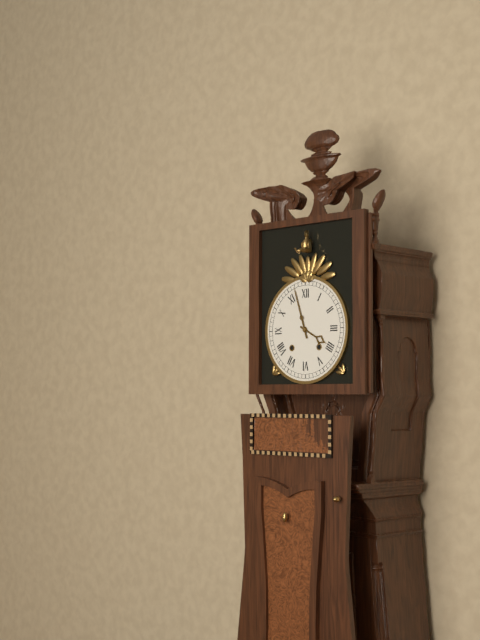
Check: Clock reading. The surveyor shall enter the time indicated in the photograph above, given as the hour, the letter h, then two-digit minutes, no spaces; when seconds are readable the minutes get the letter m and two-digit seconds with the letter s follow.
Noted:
3h57
